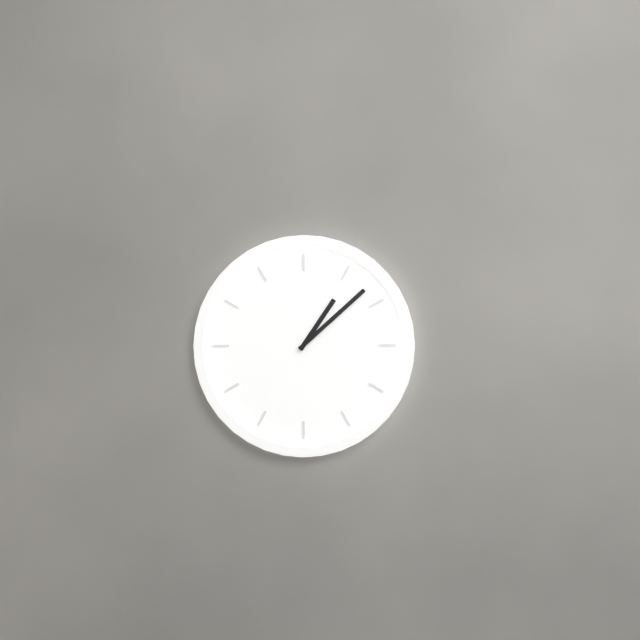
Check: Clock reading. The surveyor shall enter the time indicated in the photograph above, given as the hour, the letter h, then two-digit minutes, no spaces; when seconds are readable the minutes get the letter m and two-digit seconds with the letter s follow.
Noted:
1h08
